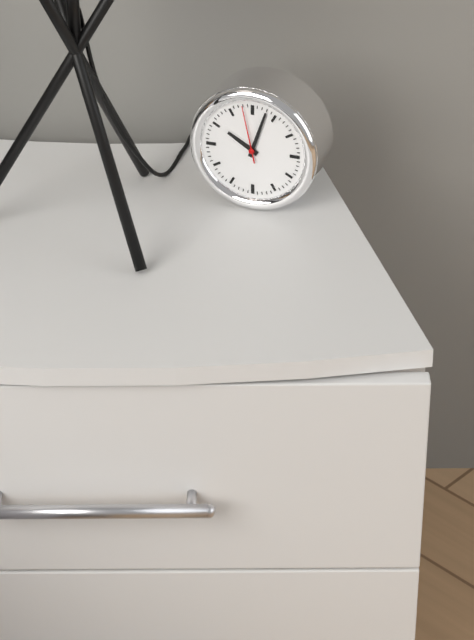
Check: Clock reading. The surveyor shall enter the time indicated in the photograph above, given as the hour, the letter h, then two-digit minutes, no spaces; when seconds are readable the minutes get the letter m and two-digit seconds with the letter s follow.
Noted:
10h03
